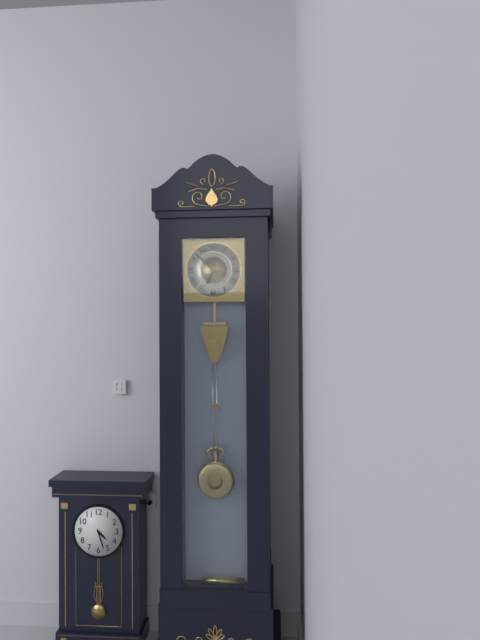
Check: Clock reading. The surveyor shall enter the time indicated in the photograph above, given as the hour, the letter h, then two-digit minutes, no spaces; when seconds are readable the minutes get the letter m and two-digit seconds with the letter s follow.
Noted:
6h52
